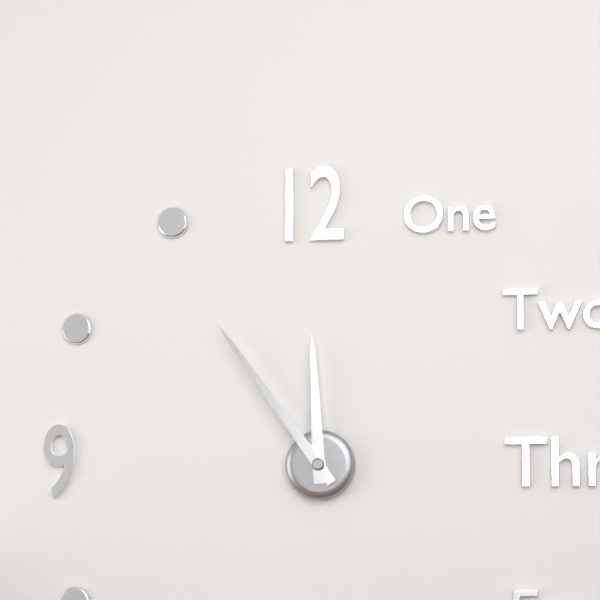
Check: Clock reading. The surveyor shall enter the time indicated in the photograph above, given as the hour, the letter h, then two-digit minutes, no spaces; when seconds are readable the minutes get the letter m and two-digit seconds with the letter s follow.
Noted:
11h54
